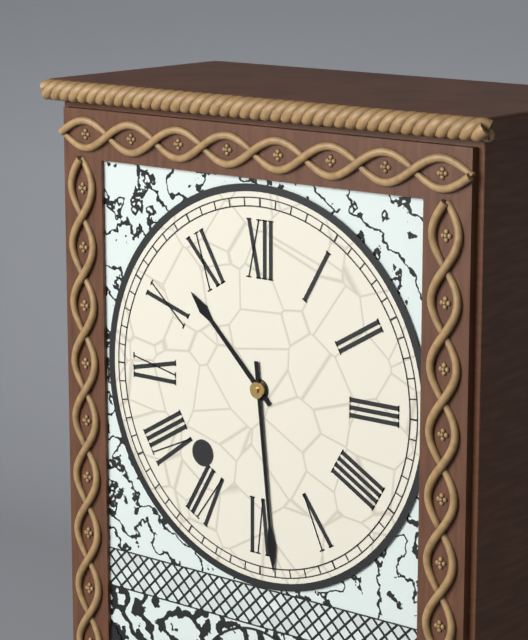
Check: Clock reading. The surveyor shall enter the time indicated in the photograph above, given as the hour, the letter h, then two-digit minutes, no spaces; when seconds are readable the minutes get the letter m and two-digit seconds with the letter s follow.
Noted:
10h29
